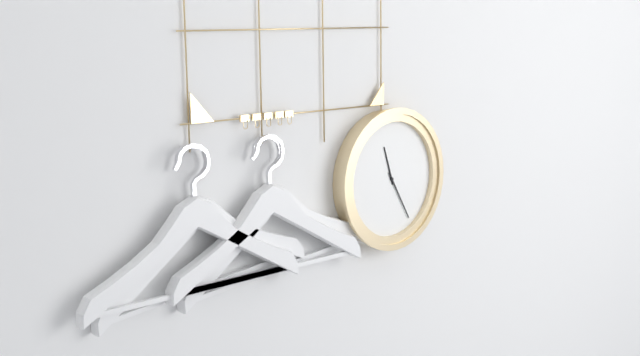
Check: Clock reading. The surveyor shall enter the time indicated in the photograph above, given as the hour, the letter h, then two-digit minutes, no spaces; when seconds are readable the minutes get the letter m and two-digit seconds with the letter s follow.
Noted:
11h25
